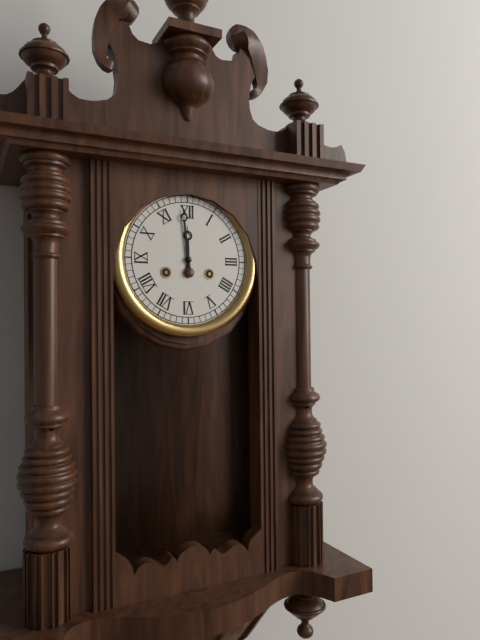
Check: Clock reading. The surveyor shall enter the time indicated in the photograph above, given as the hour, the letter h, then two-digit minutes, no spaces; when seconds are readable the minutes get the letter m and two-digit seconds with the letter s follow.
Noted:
11h59
